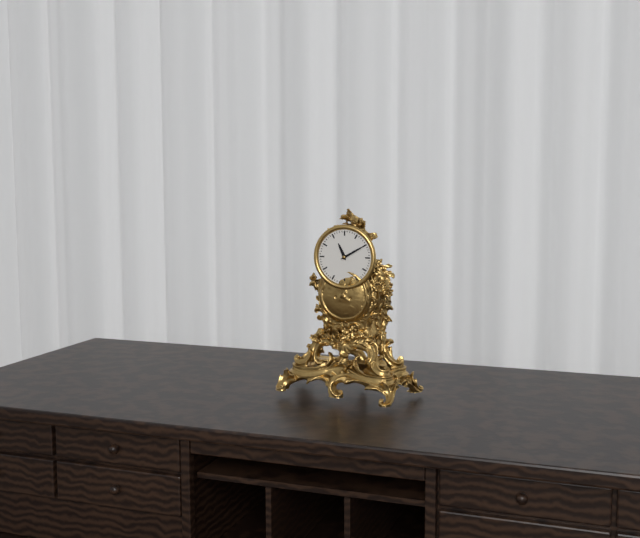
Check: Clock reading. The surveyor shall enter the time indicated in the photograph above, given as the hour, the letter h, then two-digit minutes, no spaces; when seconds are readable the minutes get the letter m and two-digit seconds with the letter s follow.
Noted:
11h10
